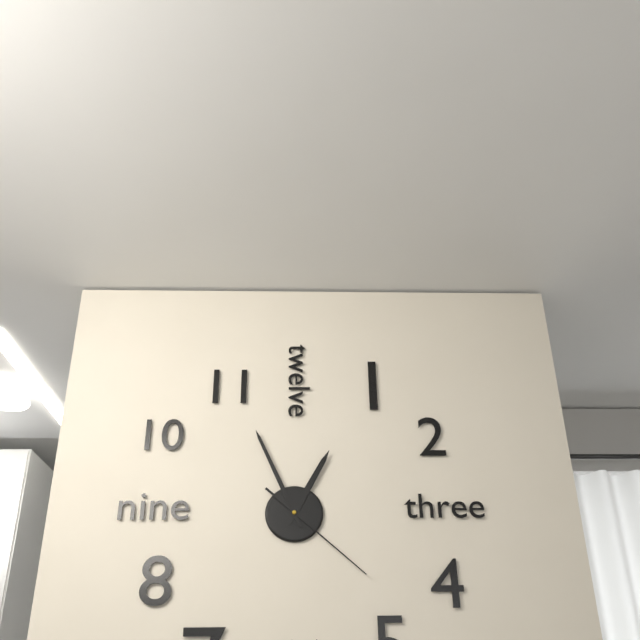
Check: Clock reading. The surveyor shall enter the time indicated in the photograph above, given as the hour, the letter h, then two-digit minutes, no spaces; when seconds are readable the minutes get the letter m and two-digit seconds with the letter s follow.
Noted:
12h56m22s
